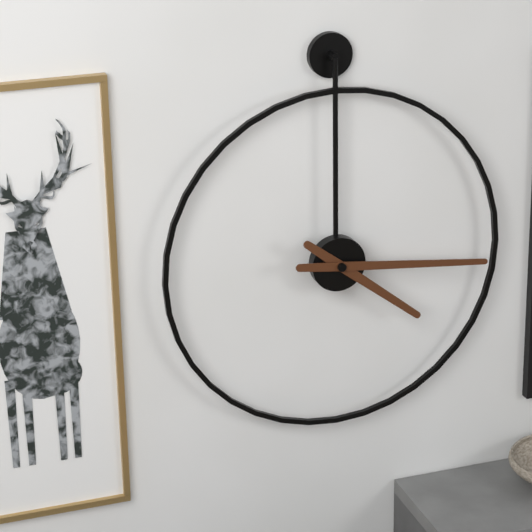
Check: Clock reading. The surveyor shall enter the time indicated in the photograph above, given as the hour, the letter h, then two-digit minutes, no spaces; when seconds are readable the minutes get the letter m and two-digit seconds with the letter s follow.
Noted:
4h16
